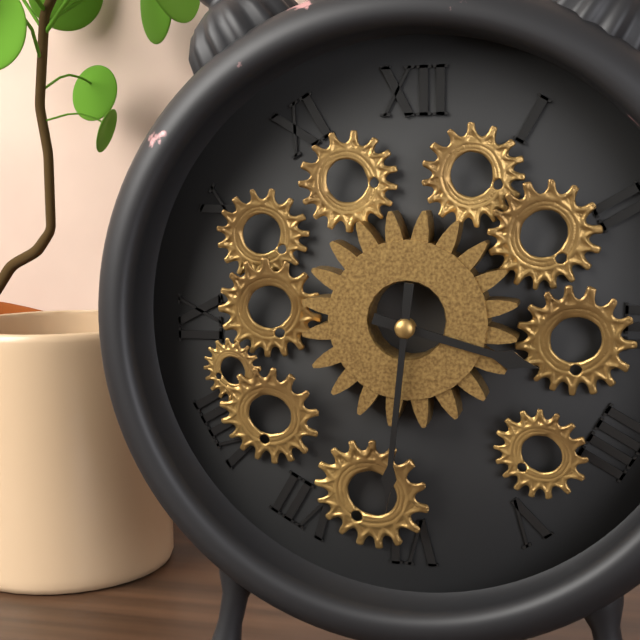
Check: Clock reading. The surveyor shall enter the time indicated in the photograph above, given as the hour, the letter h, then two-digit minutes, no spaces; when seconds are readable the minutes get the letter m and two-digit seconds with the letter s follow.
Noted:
3h31
